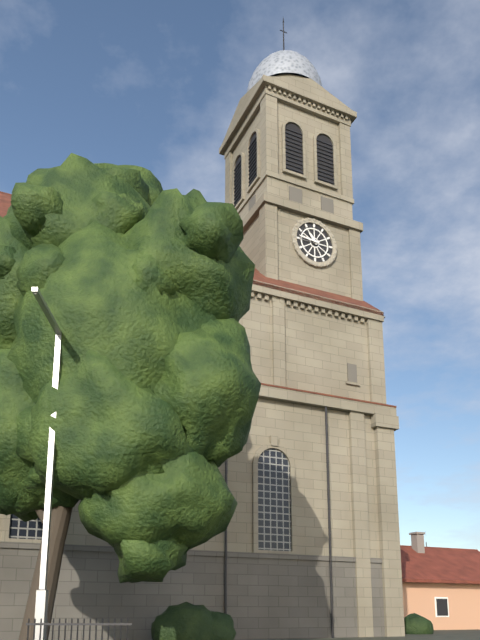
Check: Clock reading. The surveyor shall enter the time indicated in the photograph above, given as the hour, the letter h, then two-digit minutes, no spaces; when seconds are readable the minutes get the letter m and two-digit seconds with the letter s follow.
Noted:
10h46
